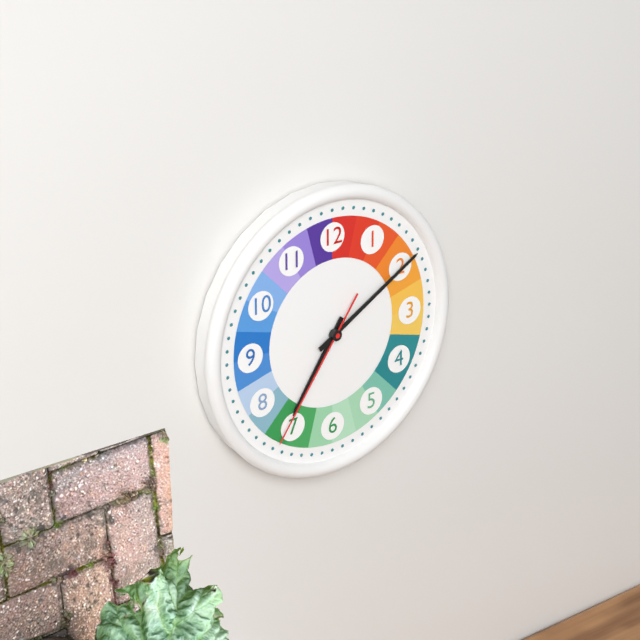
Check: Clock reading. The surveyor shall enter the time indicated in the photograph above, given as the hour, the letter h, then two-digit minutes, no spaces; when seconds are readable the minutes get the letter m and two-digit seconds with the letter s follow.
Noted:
7h10m36s
